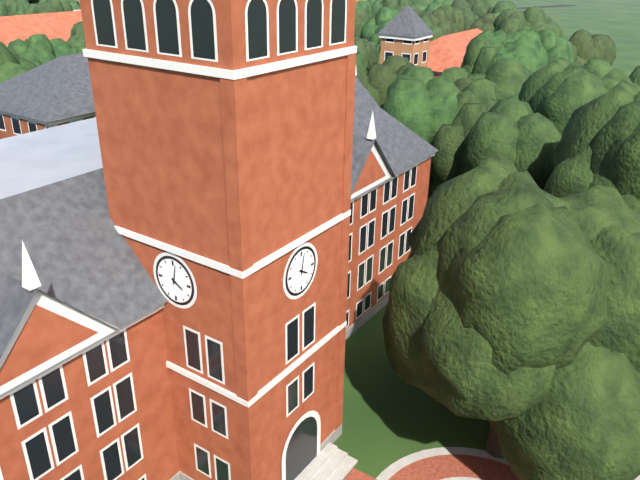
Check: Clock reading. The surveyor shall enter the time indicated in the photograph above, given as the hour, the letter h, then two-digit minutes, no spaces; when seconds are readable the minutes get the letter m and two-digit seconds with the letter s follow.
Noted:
4h02
